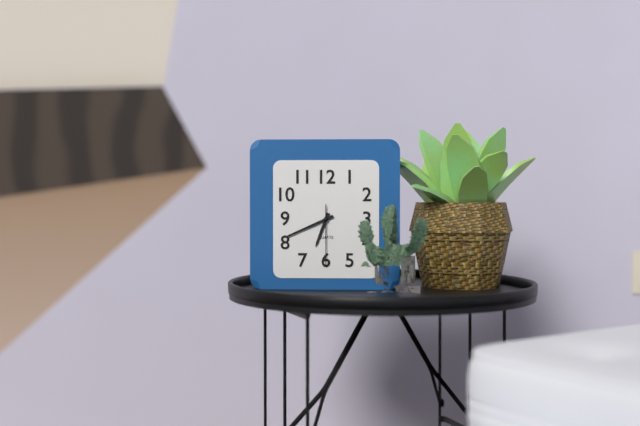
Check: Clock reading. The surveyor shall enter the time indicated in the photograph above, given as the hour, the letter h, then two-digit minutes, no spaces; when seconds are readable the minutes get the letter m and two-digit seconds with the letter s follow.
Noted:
6h41m30s
